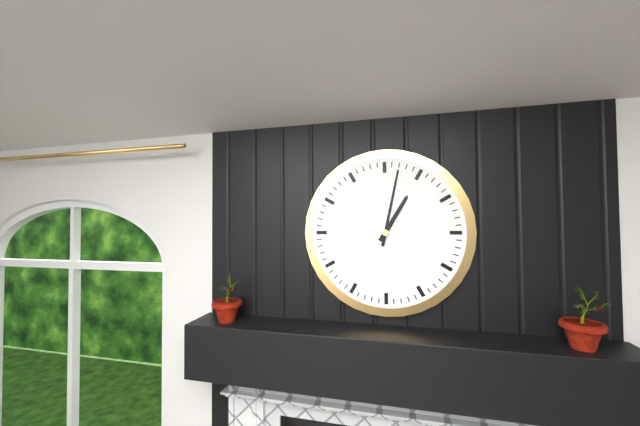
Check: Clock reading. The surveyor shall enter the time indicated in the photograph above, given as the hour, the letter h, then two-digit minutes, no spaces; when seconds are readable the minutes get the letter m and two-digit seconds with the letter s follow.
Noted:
1h02
